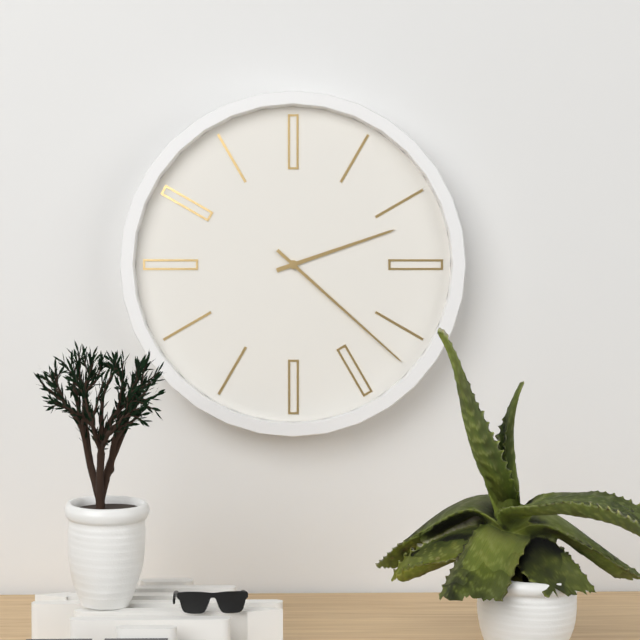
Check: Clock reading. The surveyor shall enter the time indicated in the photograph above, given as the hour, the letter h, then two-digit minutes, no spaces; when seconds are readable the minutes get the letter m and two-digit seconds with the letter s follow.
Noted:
2h22
